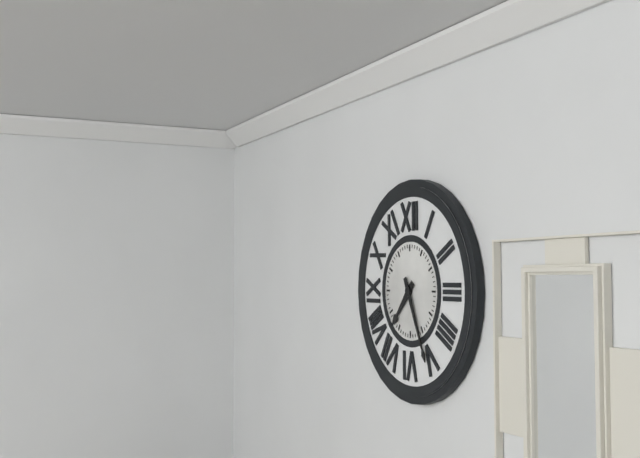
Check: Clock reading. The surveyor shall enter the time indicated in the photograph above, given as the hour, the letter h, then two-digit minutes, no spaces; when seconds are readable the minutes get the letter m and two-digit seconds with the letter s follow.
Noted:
7h26
